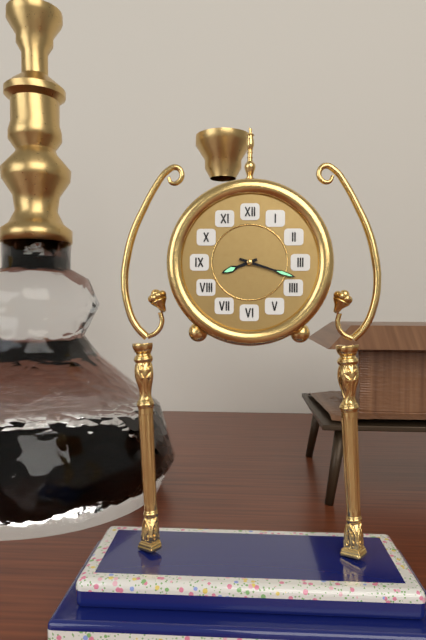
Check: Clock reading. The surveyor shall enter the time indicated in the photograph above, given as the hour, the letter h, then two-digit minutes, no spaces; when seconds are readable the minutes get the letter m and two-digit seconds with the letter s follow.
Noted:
8h18
